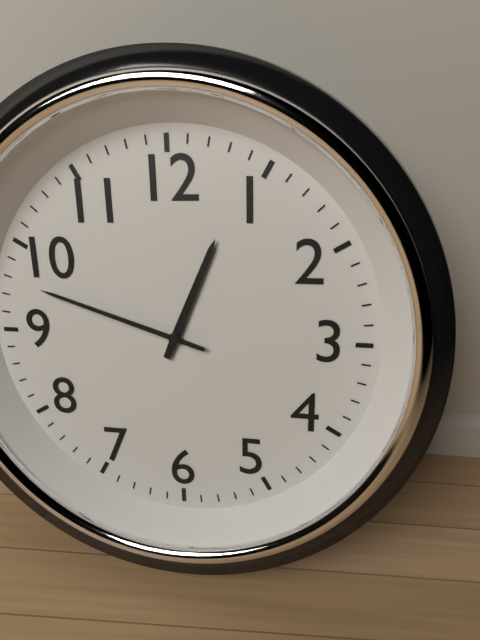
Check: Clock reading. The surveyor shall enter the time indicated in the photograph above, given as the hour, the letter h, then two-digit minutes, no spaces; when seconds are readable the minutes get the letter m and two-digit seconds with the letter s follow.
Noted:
12h48
